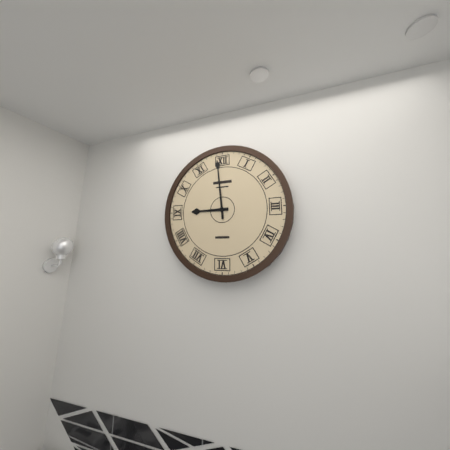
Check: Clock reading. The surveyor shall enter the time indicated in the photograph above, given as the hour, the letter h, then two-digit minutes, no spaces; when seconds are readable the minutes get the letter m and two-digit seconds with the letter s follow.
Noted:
8h59
